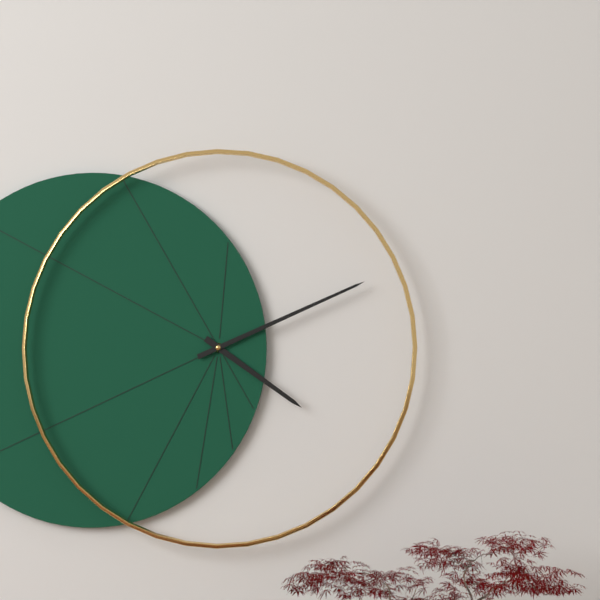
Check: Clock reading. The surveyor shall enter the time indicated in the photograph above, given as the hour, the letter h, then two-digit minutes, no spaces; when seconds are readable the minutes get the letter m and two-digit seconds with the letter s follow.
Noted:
4h11
